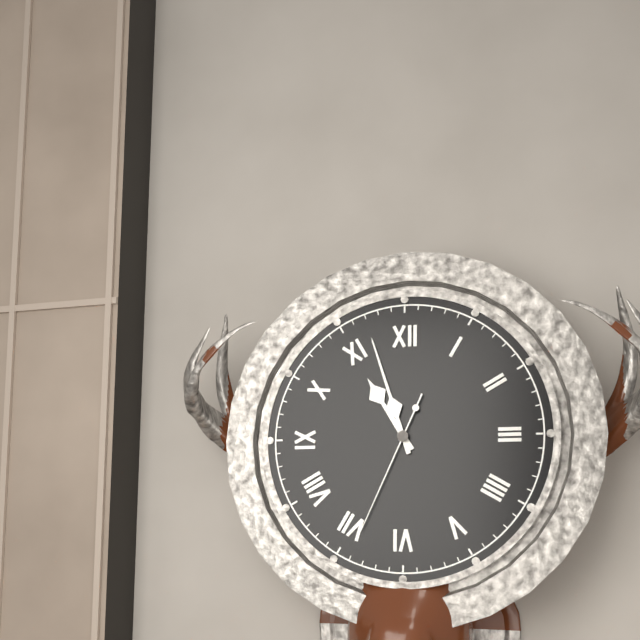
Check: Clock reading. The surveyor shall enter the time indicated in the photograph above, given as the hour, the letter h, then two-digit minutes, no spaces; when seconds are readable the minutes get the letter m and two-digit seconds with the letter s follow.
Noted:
10h57m34s
